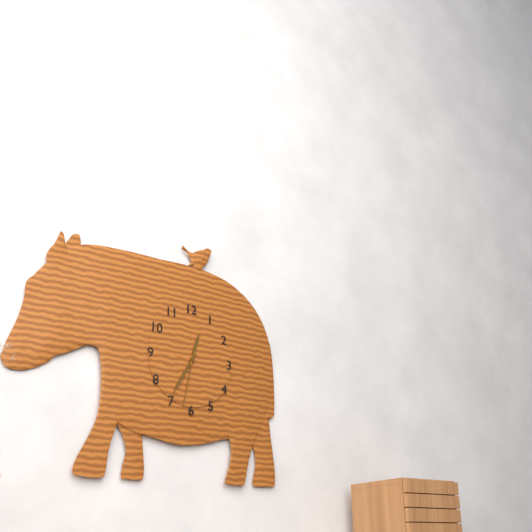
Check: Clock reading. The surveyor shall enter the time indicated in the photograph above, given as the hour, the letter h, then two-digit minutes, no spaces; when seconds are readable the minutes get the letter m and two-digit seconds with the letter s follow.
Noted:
12h35m32s
